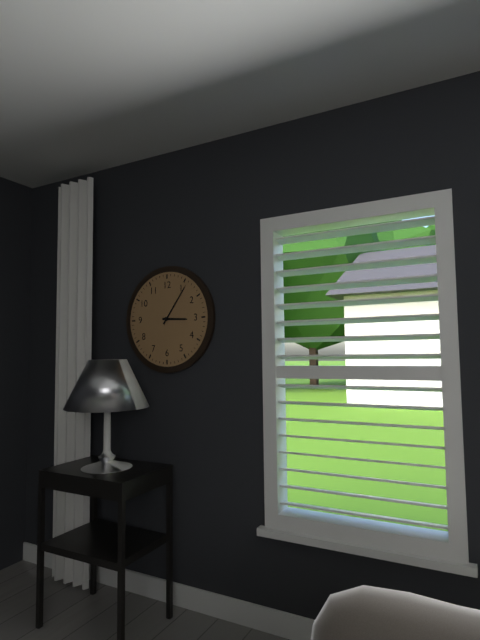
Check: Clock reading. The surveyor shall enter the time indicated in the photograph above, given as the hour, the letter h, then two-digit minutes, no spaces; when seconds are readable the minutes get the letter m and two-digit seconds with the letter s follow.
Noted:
3h06
